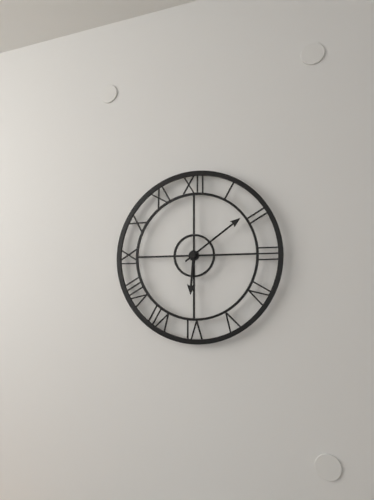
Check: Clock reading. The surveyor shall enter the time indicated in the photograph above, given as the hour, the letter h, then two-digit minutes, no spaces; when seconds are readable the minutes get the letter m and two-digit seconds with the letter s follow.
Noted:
6h09
